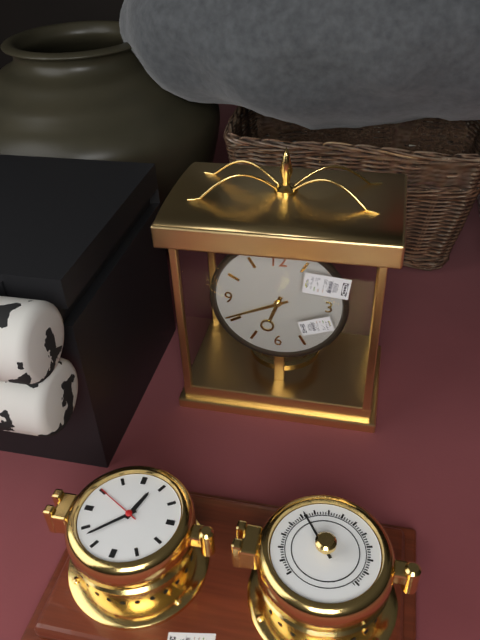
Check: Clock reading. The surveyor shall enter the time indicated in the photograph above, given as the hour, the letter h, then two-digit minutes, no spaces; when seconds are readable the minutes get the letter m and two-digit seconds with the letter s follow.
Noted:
6h41
